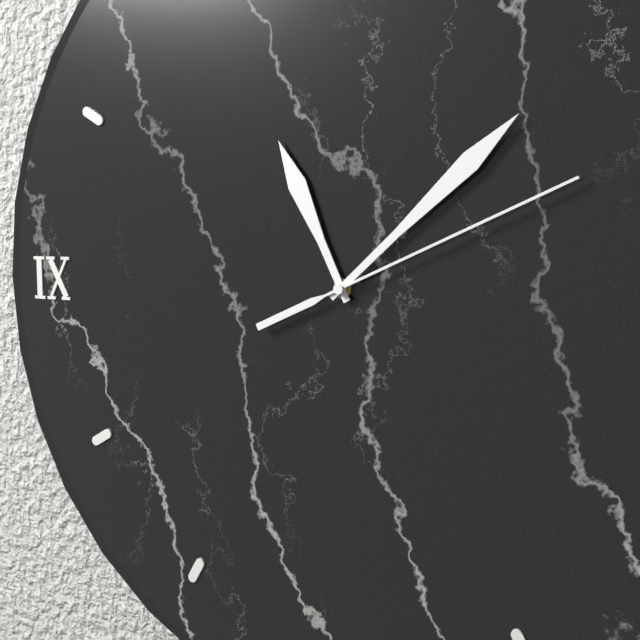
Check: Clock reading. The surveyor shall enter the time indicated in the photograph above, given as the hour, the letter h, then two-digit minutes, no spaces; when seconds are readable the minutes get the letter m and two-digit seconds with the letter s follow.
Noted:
11h08m11s
